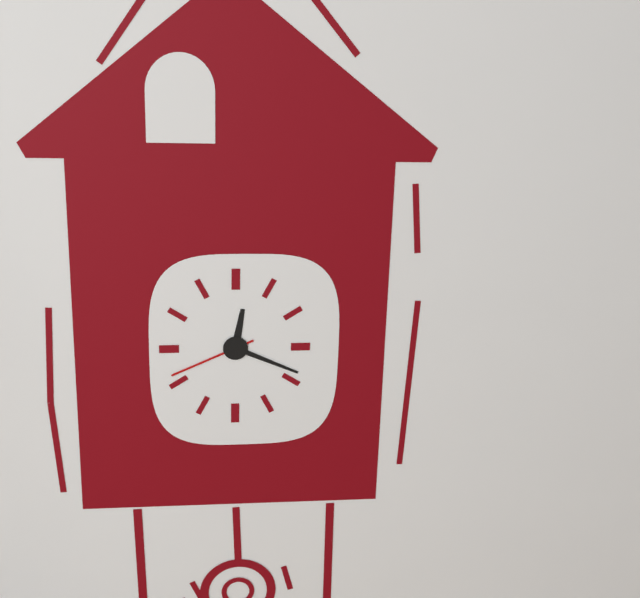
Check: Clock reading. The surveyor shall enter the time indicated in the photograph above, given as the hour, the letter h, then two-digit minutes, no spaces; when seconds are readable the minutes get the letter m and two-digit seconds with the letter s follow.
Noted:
12h19m41s
